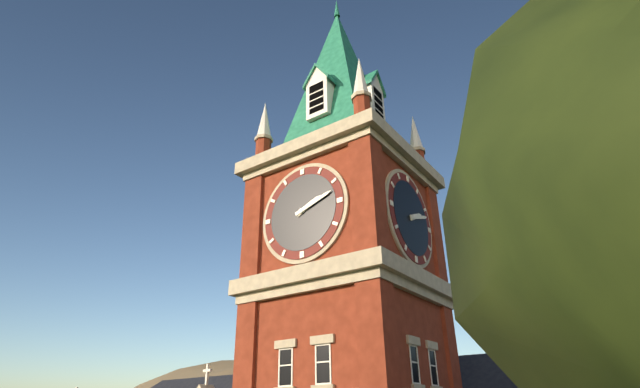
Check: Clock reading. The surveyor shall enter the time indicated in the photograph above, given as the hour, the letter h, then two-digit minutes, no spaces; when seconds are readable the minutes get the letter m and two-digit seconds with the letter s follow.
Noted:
2h12
